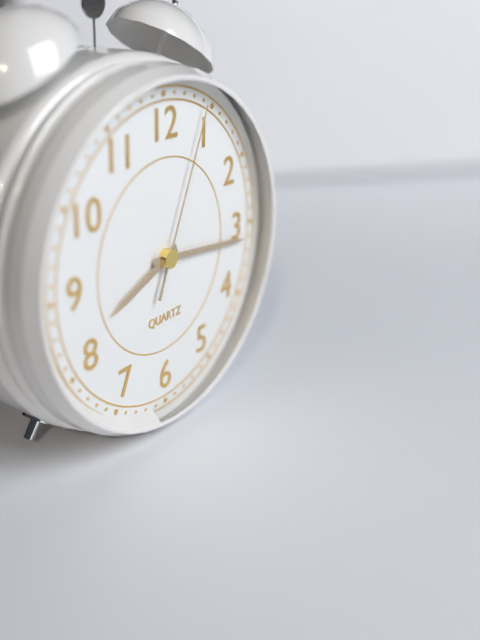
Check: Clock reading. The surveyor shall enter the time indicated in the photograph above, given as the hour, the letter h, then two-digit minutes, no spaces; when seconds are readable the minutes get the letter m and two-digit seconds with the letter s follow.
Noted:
8h16m04s
